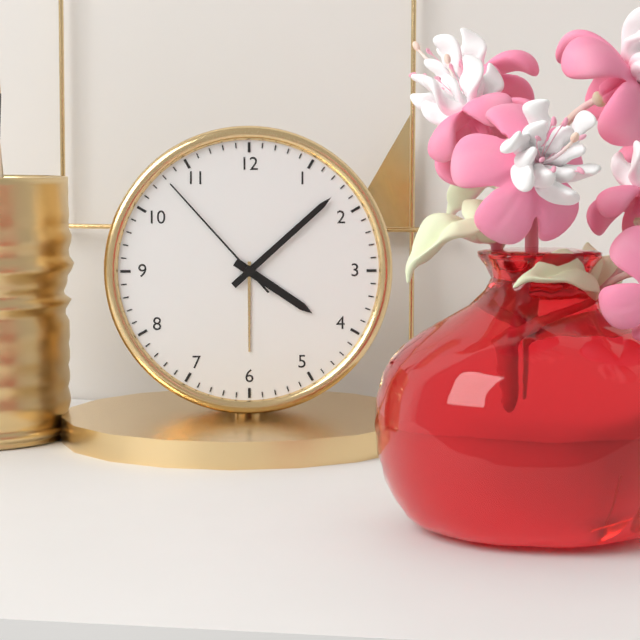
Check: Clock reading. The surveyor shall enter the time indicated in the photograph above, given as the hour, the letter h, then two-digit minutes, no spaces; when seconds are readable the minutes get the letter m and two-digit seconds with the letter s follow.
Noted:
4h08m53s
